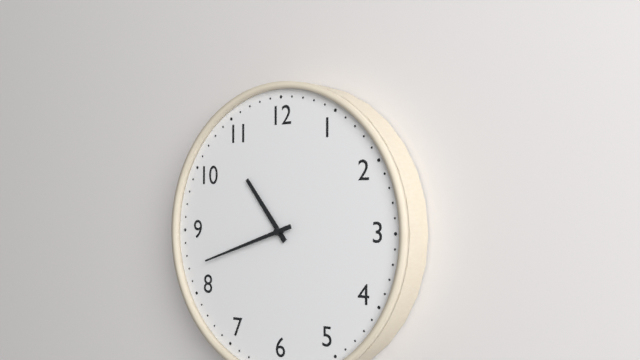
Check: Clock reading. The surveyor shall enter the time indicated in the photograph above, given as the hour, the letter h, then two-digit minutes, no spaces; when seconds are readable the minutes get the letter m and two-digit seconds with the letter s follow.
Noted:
10h42
